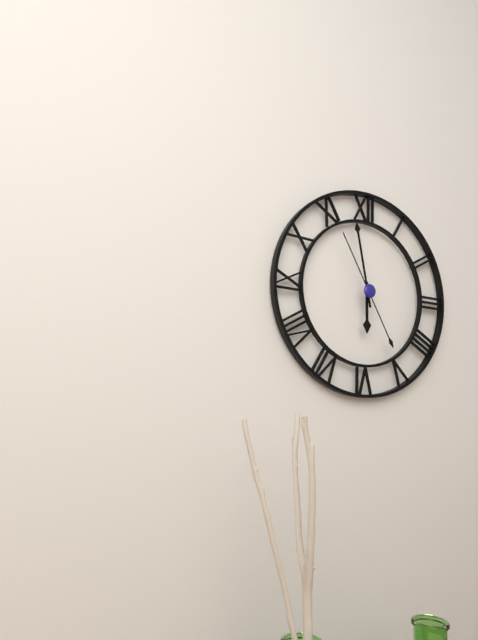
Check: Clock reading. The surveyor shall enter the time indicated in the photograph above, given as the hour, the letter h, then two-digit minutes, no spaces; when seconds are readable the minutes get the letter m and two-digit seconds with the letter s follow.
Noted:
5h58m55s
